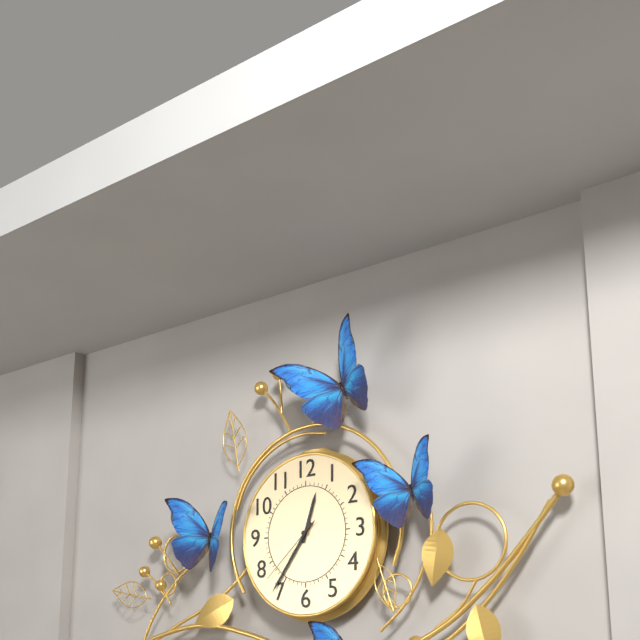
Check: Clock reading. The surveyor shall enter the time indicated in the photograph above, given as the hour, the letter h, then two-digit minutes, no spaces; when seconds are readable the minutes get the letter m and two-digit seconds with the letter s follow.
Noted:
12h36m38s
